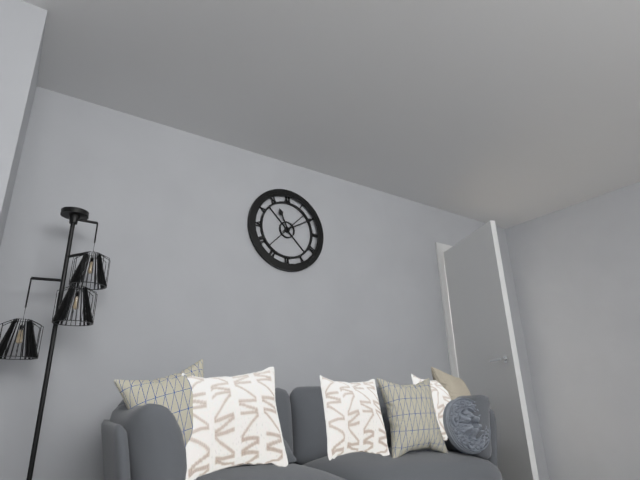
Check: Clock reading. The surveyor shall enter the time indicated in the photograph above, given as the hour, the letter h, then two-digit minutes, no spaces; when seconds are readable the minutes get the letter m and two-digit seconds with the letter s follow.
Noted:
11h10
